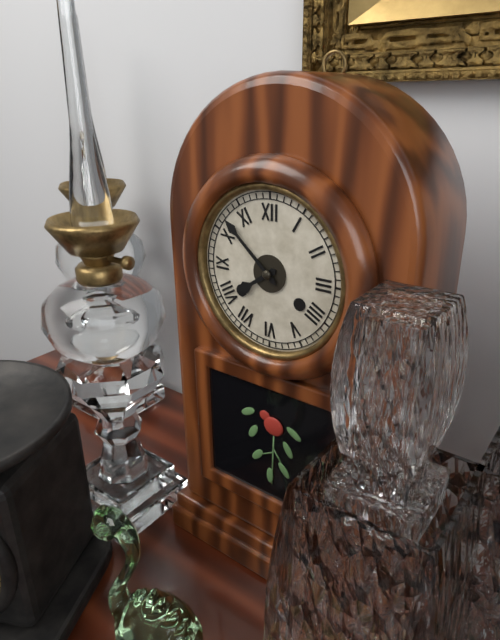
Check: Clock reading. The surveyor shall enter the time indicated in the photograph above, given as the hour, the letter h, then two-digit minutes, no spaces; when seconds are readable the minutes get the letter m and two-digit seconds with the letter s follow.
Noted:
7h52
